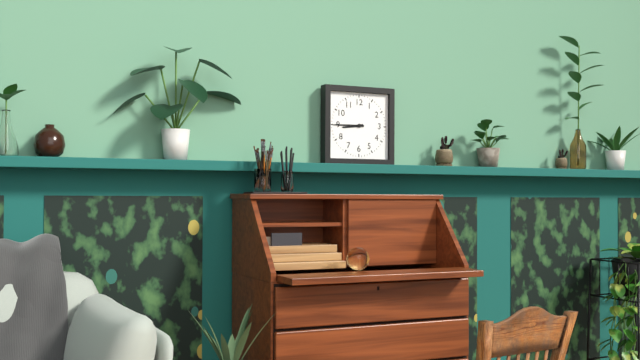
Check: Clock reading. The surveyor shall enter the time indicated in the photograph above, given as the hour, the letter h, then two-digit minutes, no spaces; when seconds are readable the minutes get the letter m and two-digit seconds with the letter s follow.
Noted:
8h45
